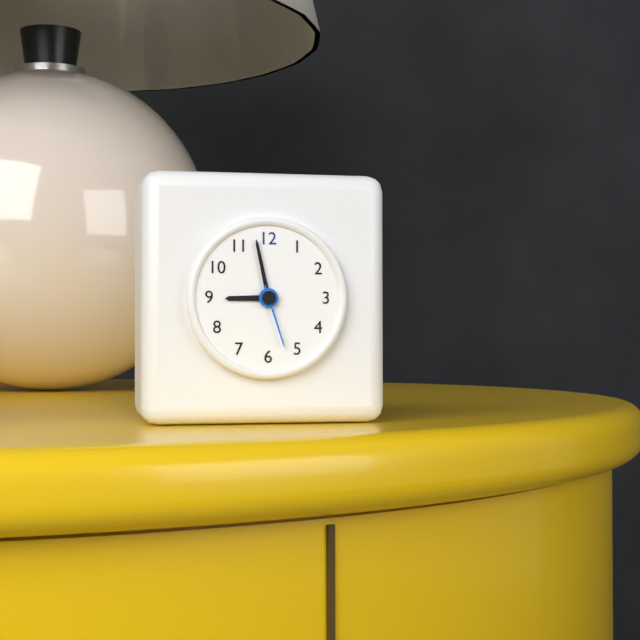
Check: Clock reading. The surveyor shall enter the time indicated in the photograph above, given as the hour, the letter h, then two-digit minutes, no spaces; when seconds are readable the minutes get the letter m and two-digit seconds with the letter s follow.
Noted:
8h58m27s
